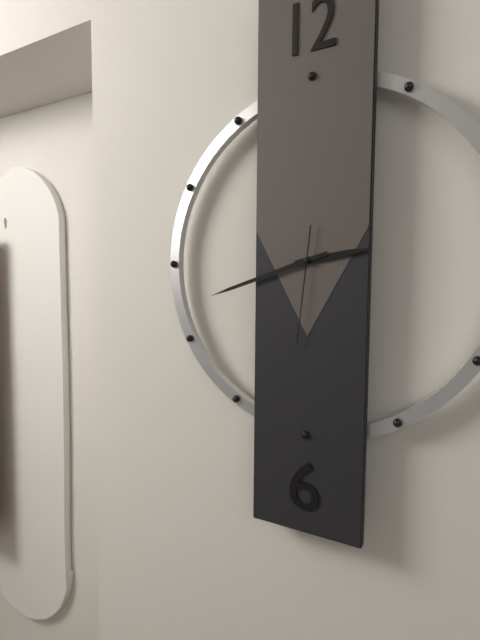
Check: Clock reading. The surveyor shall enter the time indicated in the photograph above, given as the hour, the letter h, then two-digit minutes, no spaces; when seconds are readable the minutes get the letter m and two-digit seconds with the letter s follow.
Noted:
2h42m31s
